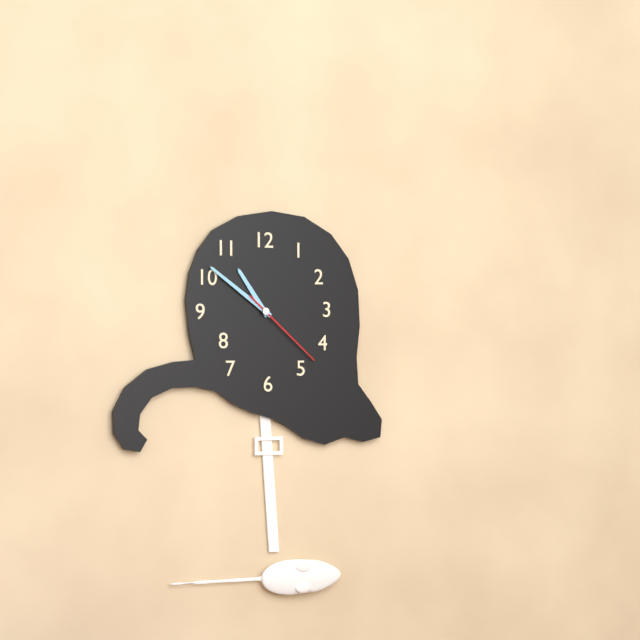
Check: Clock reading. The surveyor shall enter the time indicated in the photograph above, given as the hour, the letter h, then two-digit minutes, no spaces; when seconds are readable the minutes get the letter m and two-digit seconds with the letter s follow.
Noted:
10h51m22s
